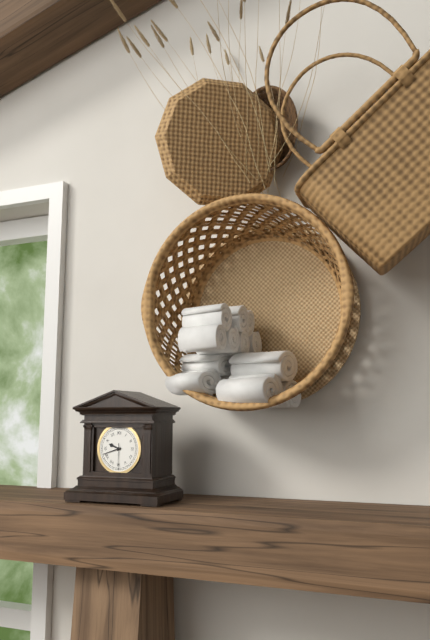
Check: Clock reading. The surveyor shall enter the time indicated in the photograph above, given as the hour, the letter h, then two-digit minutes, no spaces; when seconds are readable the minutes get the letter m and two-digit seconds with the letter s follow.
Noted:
9h42
